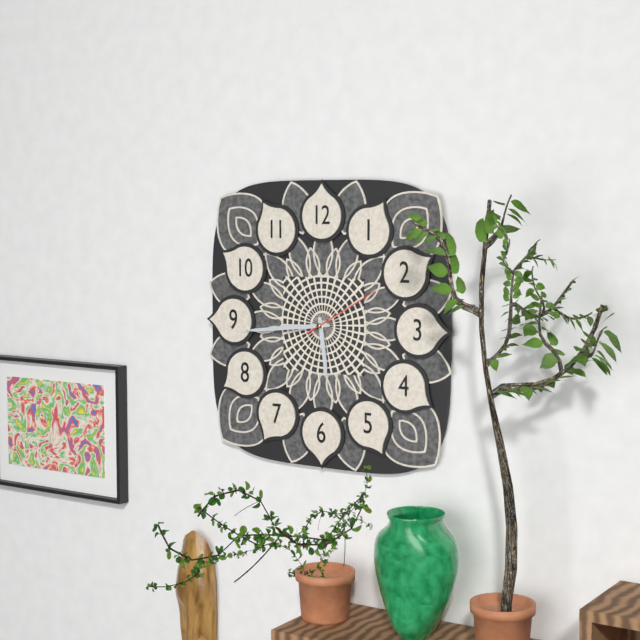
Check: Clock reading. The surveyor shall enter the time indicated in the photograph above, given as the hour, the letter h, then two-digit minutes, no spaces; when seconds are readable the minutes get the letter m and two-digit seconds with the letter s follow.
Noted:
5h44m10s
